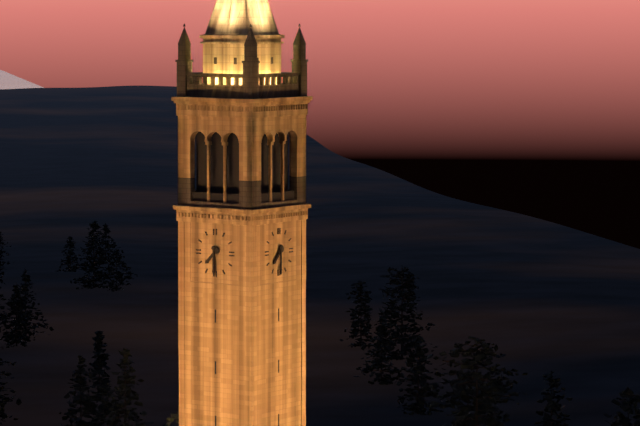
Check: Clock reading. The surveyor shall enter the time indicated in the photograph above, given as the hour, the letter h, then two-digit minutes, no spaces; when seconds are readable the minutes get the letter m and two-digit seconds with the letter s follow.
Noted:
7h30
